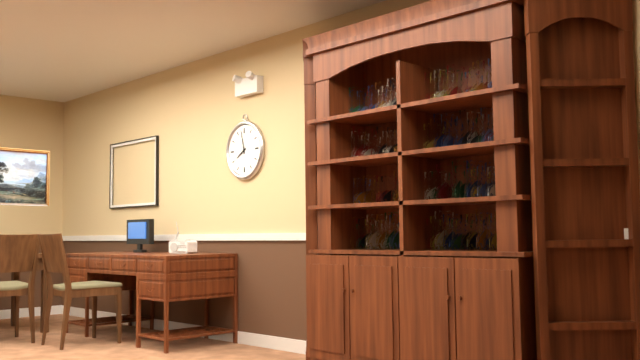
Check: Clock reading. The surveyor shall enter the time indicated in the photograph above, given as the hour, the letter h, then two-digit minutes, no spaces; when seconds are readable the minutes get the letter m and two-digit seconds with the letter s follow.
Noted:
7h58
